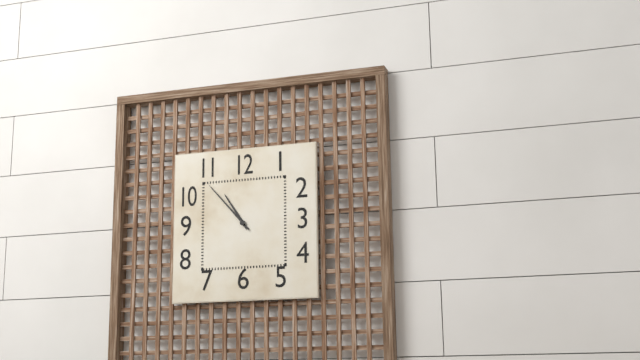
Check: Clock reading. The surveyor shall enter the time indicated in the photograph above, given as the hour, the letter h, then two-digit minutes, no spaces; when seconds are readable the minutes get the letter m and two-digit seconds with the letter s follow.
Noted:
10h53
